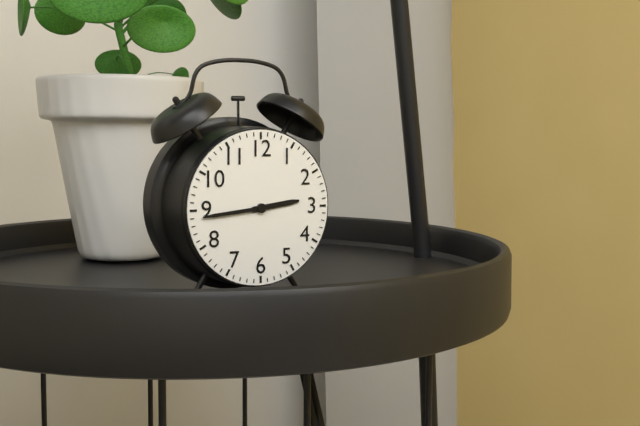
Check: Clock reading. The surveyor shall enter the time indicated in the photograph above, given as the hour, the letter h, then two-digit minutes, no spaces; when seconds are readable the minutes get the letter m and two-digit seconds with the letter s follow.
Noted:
2h44
